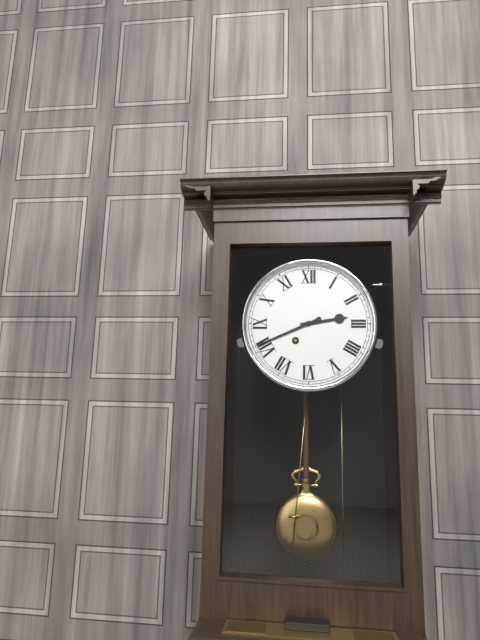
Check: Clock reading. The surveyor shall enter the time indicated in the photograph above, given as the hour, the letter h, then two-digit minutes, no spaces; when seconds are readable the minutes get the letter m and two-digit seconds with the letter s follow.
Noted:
2h41
